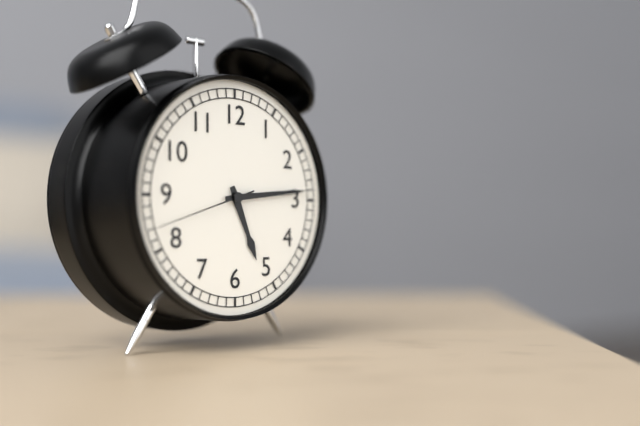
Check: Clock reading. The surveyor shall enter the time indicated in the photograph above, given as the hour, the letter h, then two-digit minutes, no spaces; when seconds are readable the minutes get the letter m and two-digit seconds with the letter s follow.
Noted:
5h14m42s
